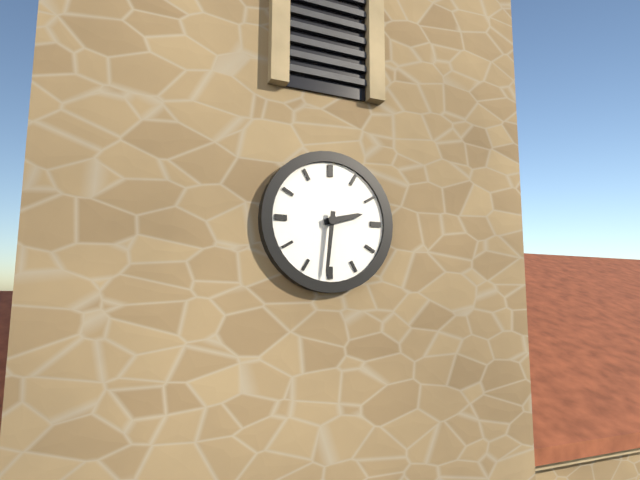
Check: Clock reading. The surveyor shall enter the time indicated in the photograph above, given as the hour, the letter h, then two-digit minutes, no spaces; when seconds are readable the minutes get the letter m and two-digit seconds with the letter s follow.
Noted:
2h31
